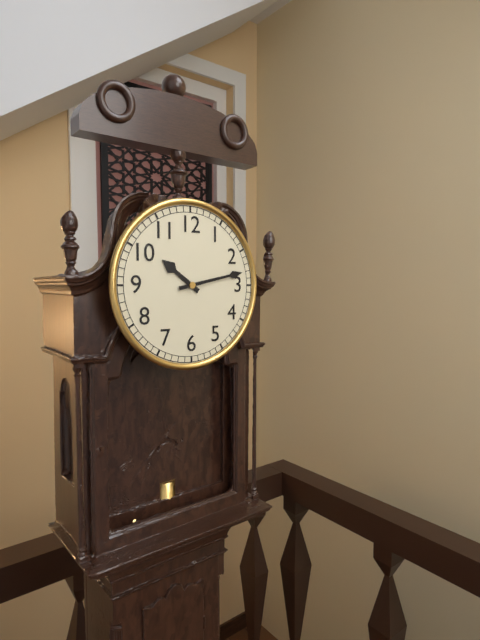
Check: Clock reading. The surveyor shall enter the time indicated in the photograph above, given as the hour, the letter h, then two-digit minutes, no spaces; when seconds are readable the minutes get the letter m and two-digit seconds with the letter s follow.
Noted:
10h13
